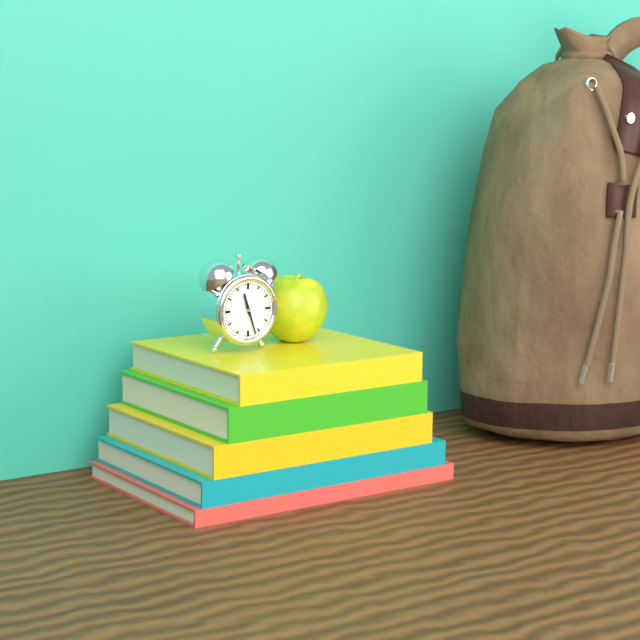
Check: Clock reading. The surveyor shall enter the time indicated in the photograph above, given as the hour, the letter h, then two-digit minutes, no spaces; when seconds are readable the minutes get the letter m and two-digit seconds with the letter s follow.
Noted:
11h27
